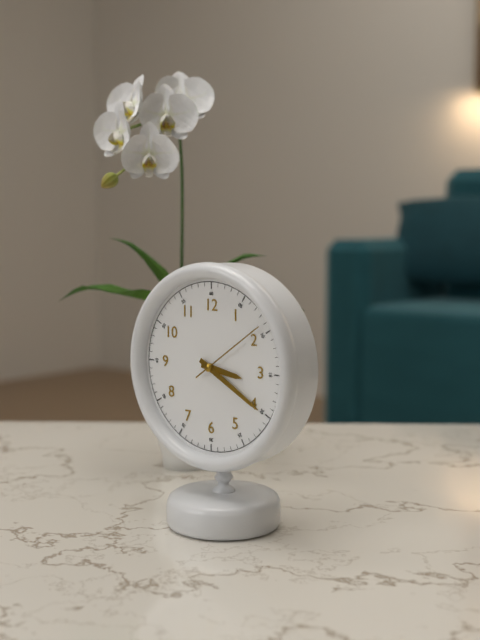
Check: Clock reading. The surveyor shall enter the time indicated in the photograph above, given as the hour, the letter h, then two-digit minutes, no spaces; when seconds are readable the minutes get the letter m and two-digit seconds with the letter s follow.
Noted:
3h20m09s
